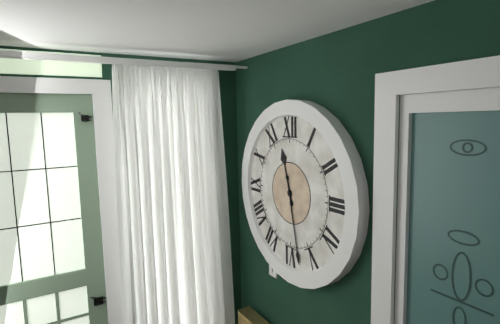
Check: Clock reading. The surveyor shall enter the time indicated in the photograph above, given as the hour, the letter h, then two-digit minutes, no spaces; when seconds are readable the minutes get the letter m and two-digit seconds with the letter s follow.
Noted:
11h28
